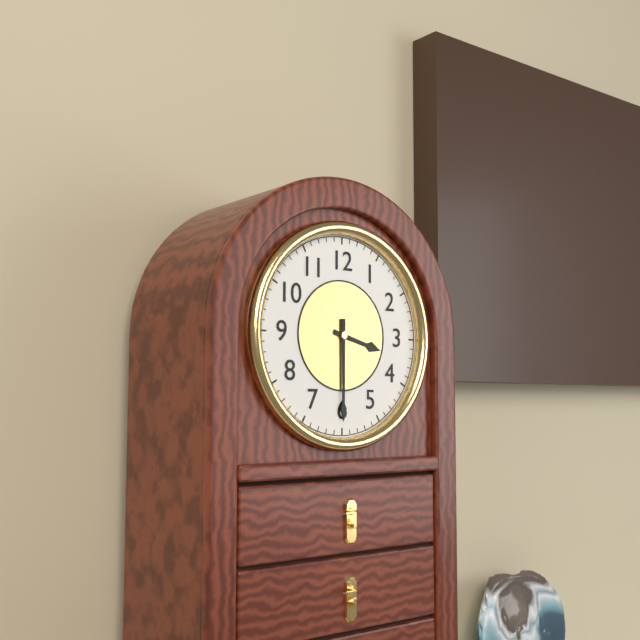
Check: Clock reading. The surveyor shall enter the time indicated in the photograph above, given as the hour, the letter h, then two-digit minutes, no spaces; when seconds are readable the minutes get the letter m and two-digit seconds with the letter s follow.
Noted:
3h30
